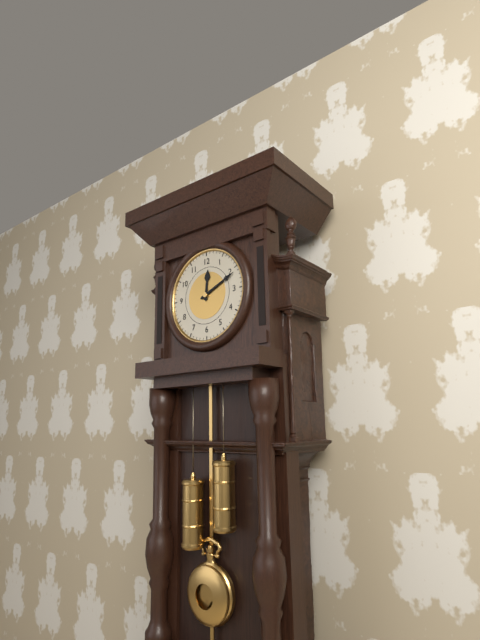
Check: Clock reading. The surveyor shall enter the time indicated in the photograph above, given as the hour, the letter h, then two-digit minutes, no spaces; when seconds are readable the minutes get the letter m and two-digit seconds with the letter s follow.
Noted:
12h11
